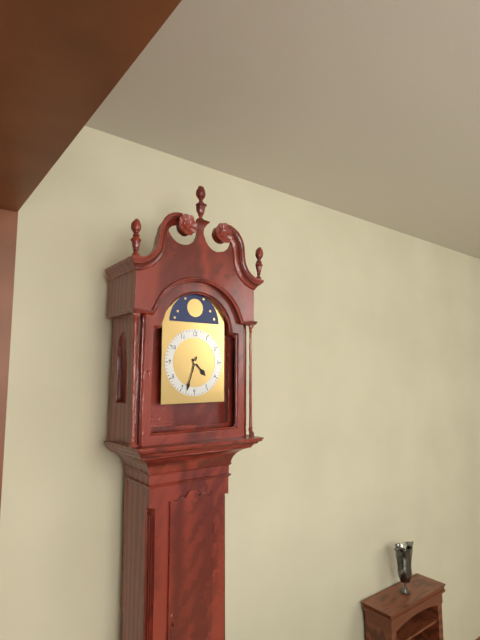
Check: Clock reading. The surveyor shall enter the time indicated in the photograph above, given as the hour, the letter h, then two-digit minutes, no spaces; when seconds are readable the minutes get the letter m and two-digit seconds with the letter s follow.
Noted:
4h33
